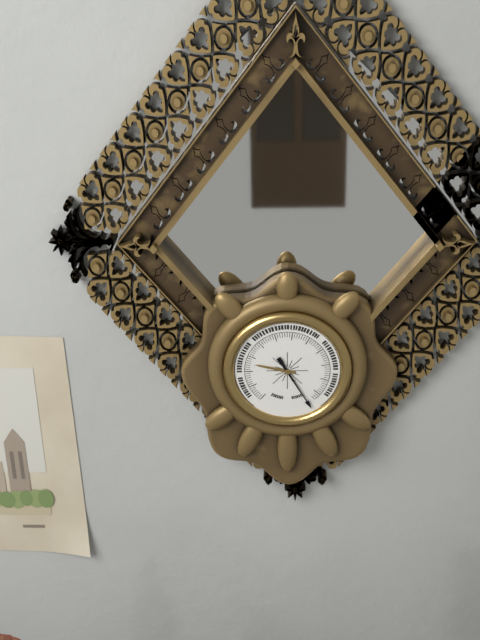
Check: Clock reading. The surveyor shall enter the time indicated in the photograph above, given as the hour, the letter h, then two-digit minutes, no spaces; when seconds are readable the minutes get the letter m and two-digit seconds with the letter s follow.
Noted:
9h25
